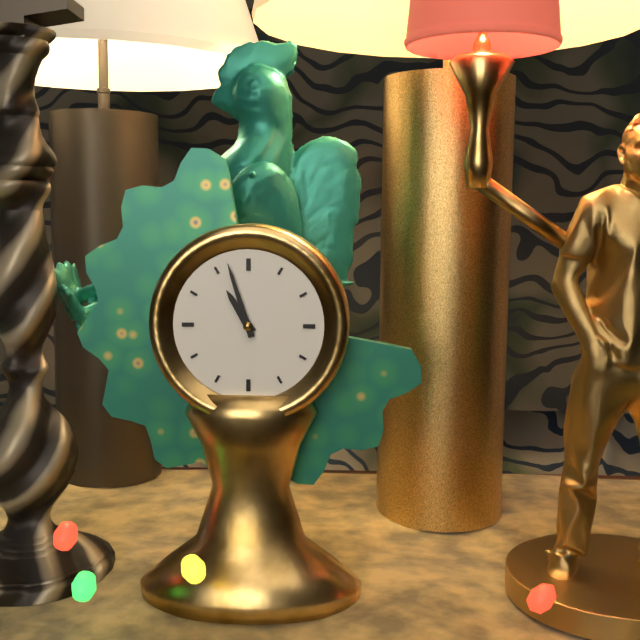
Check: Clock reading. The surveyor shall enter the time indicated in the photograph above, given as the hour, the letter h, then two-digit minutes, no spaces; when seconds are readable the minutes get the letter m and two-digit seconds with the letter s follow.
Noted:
10h57
